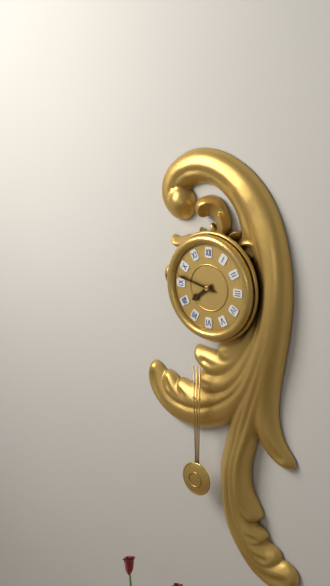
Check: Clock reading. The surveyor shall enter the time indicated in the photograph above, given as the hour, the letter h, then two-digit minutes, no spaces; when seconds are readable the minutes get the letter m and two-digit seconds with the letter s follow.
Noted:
7h47
